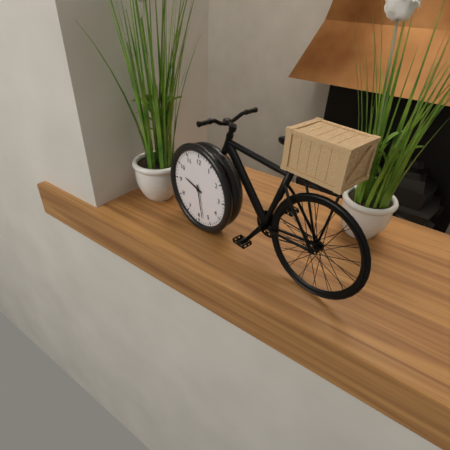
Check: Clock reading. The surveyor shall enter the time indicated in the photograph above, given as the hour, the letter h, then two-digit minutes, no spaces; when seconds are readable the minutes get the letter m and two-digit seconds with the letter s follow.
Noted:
9h28
